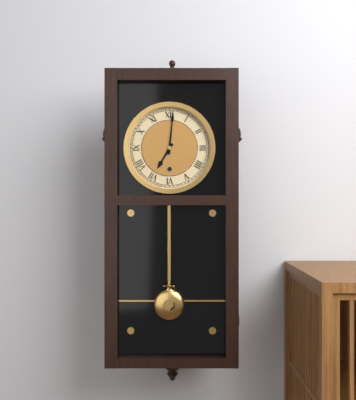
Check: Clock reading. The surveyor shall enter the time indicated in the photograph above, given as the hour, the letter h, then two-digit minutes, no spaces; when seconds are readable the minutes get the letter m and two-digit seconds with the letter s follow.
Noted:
7h01
